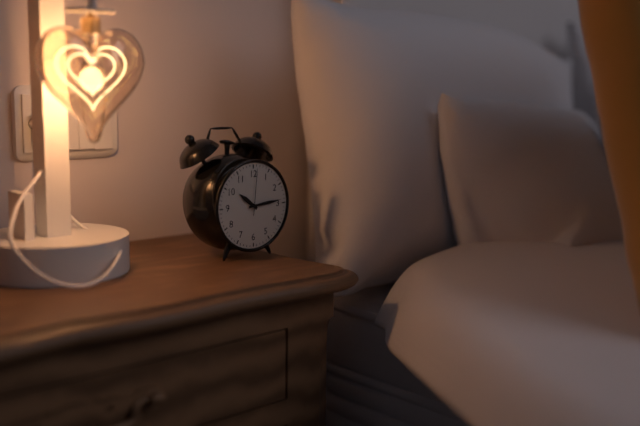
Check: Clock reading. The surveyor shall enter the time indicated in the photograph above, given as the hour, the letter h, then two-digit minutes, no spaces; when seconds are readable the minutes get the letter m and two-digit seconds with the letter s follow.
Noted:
10h14
